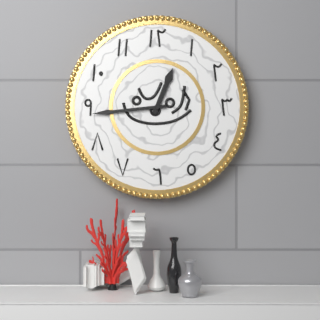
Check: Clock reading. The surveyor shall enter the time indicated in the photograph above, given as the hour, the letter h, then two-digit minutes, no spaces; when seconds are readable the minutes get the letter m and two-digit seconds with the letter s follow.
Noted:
12h44
